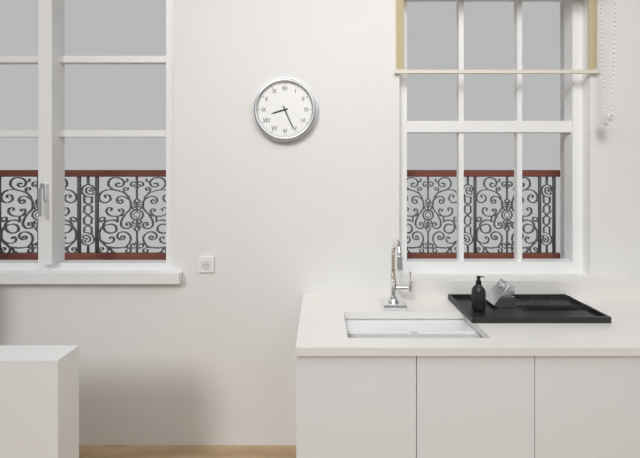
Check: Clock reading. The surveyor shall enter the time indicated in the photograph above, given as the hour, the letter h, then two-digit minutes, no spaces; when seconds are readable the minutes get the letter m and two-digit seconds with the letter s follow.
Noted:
8h26
